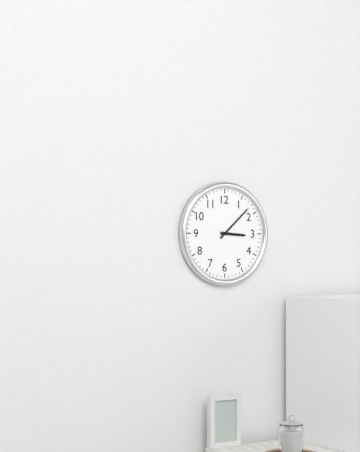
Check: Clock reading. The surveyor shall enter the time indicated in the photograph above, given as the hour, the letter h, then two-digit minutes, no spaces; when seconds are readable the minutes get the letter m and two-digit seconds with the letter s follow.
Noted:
3h08
